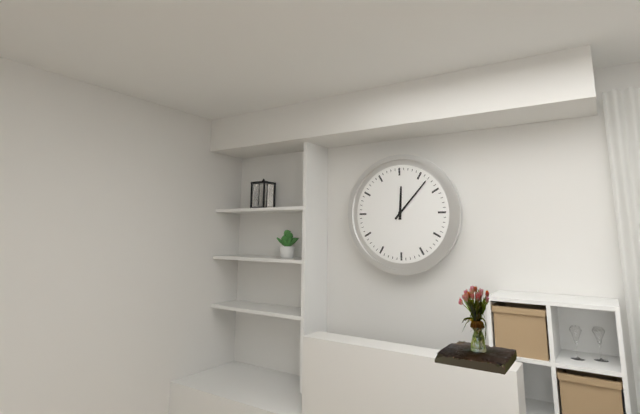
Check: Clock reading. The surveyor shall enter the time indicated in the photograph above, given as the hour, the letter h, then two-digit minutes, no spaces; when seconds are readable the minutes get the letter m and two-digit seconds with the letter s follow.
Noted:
12h07
